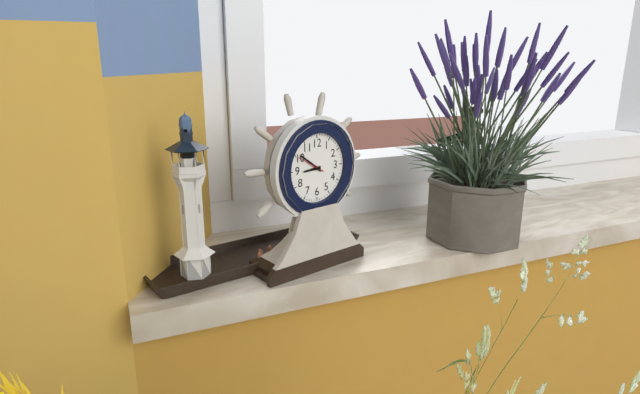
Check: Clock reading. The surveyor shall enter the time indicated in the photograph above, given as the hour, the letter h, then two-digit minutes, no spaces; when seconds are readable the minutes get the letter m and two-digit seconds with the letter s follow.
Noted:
8h51
